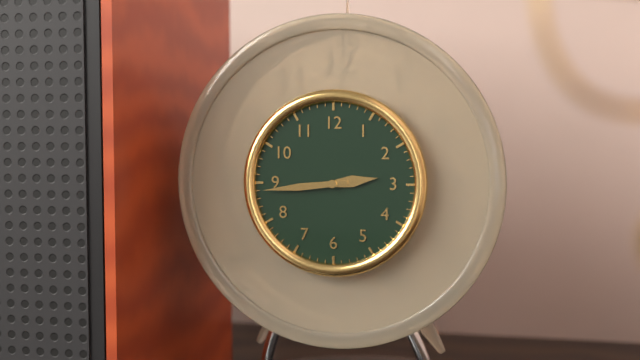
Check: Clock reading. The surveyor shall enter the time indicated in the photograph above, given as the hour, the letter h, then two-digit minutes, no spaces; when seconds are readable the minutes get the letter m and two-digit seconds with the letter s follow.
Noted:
2h44
